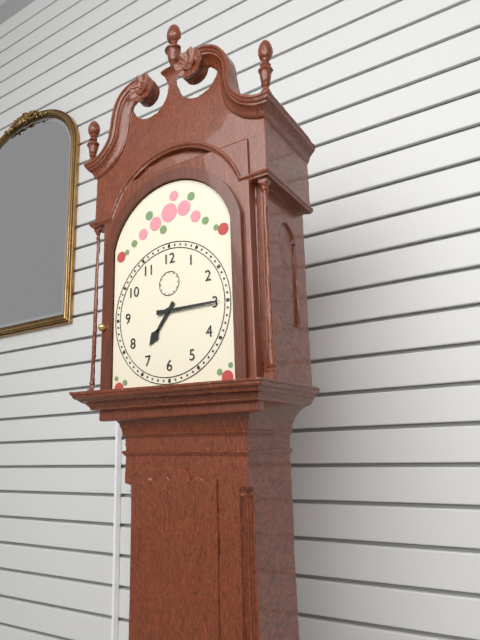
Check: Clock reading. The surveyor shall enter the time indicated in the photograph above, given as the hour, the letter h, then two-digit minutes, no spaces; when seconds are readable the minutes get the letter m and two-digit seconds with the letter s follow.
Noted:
7h15
